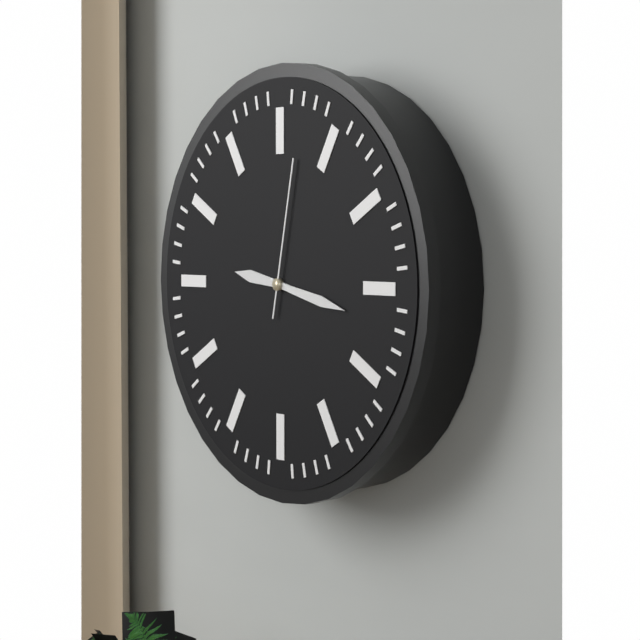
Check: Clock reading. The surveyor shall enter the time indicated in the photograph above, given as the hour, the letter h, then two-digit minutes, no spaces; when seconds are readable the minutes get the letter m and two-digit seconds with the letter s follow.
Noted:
9h17m02s
